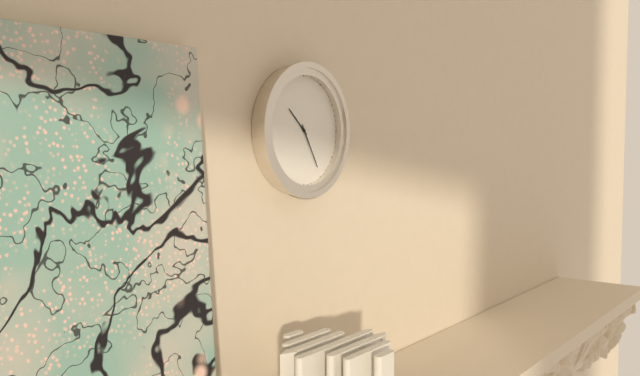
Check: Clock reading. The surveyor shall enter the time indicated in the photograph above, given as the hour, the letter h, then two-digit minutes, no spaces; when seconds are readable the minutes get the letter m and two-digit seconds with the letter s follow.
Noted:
10h25
